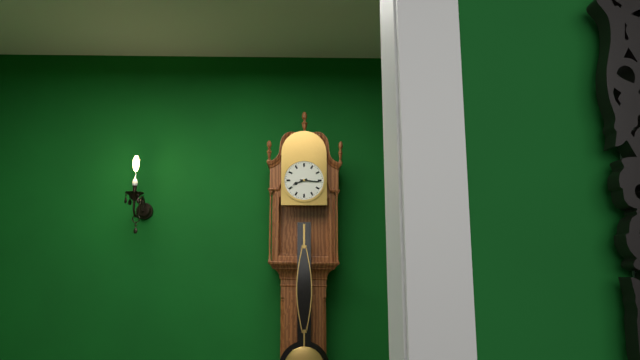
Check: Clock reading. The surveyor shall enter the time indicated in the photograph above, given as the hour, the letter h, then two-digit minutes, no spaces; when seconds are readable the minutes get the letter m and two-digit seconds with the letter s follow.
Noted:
8h16
